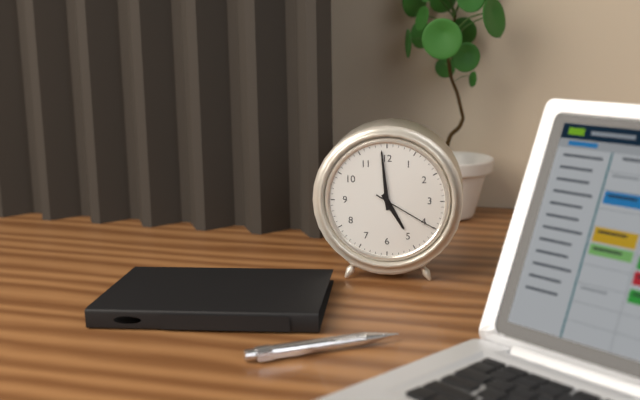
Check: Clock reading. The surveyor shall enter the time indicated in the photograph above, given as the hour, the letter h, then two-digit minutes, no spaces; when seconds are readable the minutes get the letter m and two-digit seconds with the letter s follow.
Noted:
4h59m20s
